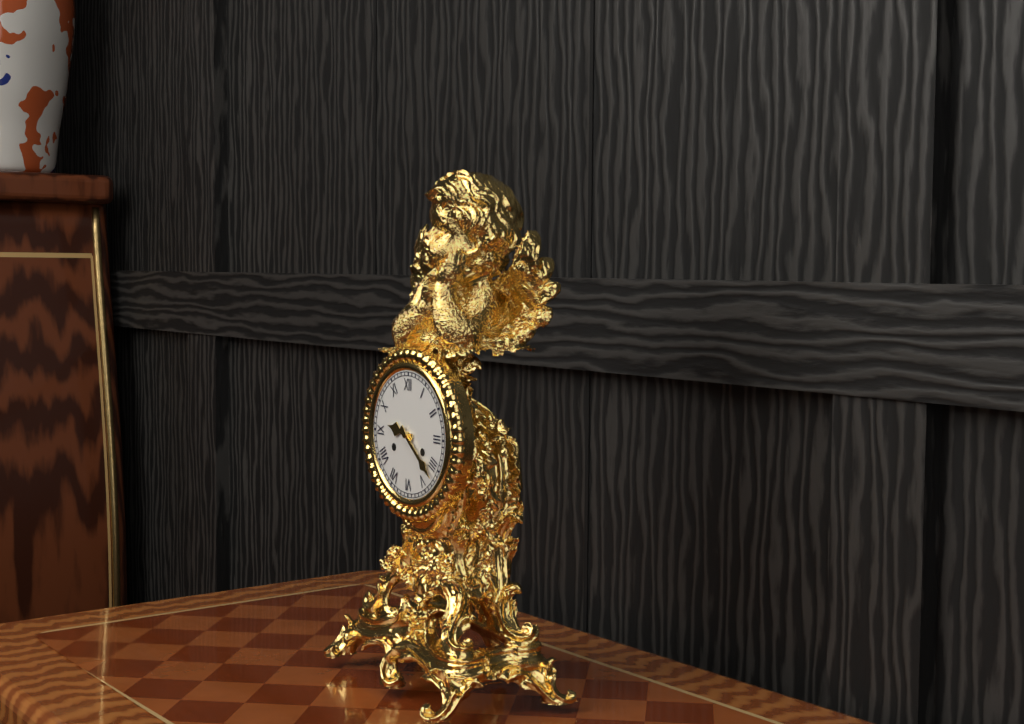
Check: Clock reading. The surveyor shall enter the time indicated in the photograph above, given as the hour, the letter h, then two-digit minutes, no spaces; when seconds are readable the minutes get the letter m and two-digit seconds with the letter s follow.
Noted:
9h22
